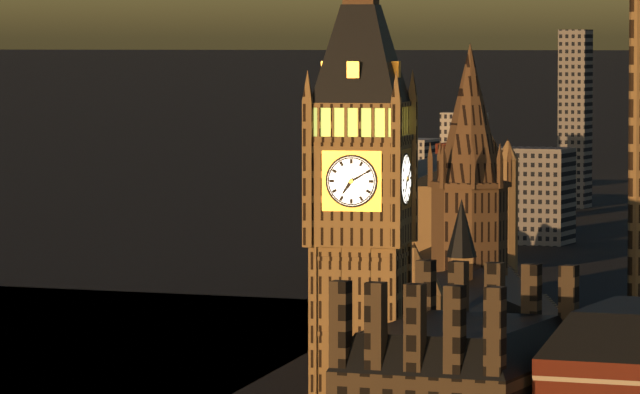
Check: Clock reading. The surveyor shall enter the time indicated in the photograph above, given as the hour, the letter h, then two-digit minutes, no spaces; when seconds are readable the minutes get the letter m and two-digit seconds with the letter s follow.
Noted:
7h10
